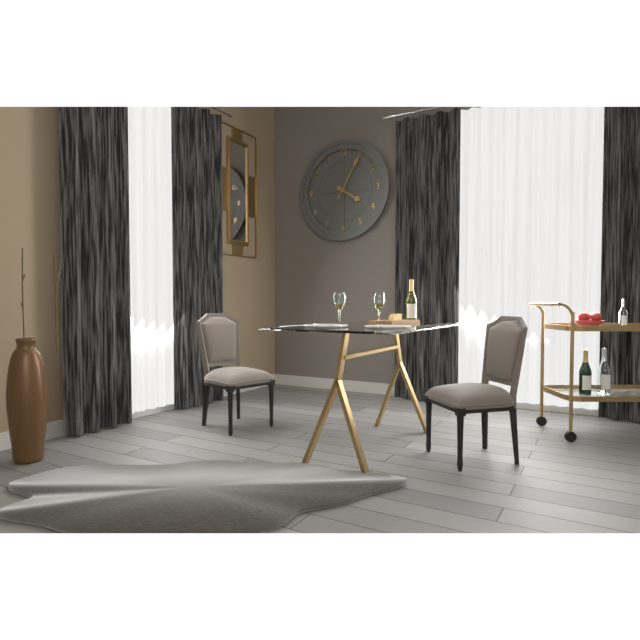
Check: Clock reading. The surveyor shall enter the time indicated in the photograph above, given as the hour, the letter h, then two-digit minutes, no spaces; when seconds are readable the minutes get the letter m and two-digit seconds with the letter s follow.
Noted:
4h05
